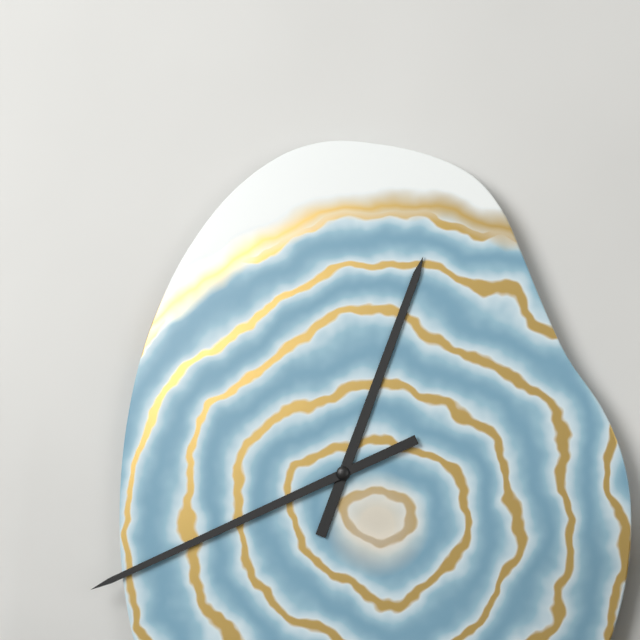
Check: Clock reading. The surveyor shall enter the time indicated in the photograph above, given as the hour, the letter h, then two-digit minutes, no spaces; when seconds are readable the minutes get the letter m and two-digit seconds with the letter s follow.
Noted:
12h41
